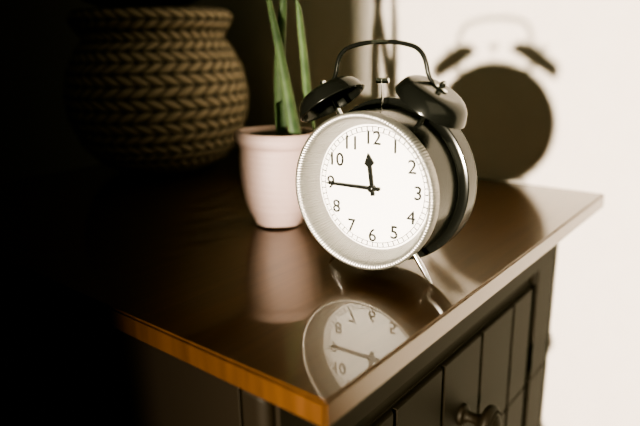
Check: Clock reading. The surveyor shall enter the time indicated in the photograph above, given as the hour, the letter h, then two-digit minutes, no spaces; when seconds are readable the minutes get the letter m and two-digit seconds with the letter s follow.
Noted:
11h45
